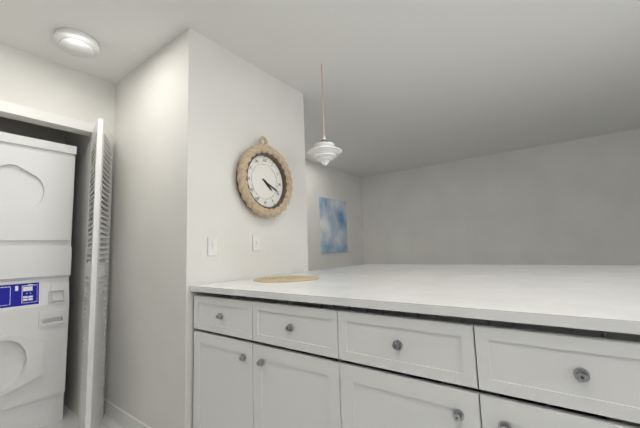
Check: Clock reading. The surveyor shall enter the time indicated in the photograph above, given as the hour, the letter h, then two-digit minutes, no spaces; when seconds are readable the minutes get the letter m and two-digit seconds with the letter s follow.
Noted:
4h19
